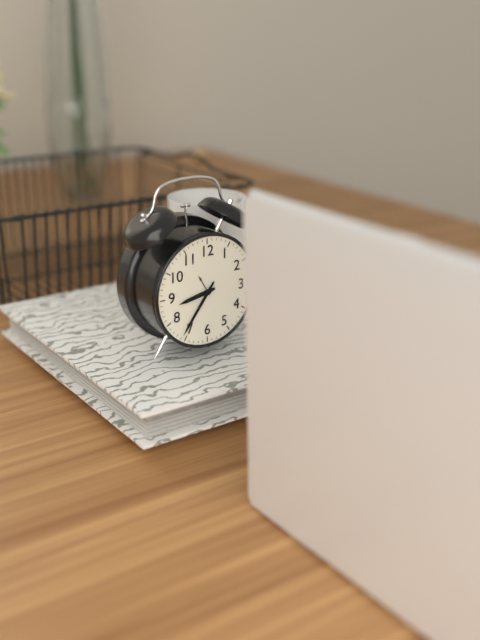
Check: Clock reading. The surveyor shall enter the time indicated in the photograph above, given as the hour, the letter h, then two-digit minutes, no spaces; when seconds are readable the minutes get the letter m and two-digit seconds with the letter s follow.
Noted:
8h36
